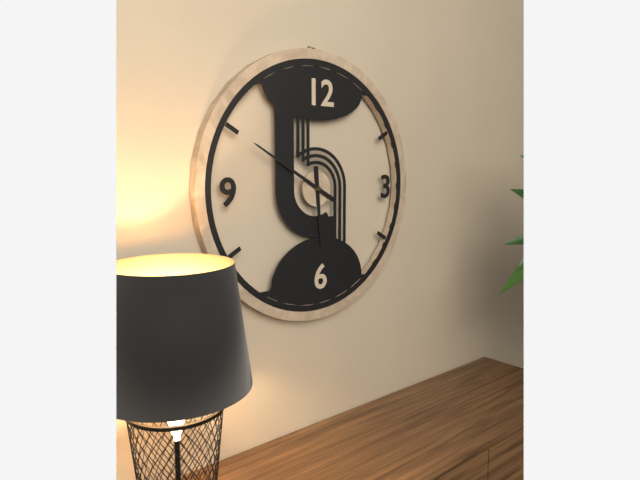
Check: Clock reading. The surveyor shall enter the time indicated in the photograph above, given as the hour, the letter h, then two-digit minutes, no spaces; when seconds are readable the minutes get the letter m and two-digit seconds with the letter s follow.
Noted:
5h50
